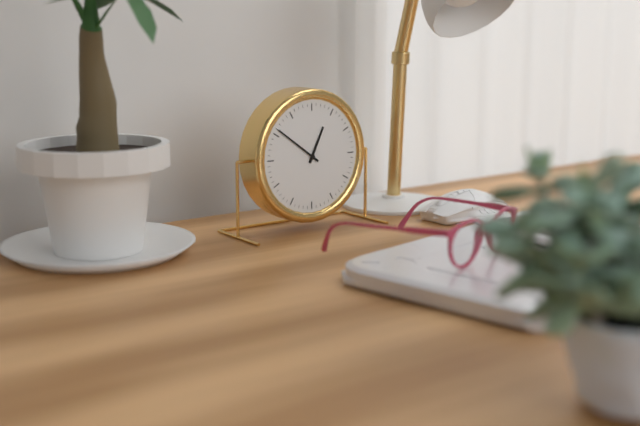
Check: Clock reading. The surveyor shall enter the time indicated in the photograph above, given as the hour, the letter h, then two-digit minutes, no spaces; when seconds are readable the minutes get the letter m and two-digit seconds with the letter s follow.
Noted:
12h51
